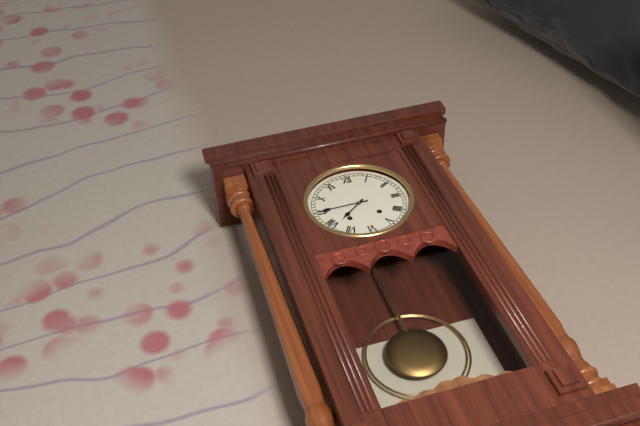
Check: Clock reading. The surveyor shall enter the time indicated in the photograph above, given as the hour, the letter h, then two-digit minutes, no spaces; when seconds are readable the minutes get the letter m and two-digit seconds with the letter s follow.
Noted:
7h45
